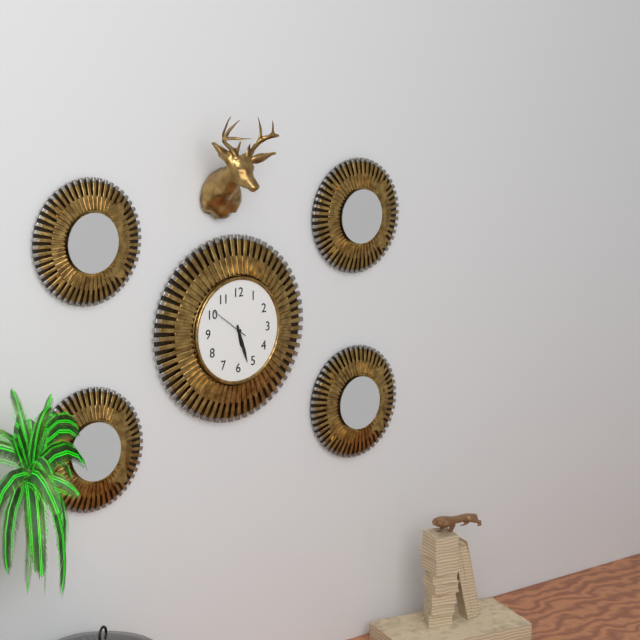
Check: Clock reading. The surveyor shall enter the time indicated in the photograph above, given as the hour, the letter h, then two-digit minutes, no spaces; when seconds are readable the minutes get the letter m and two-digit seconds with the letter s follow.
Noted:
5h27
